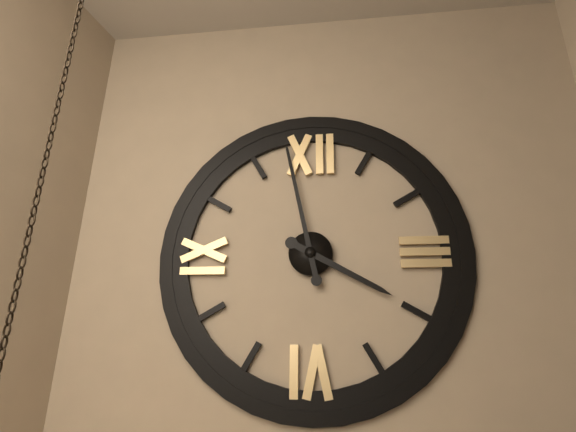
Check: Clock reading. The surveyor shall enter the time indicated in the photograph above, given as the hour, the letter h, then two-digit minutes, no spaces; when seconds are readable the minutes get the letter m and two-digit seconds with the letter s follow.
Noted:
3h58
